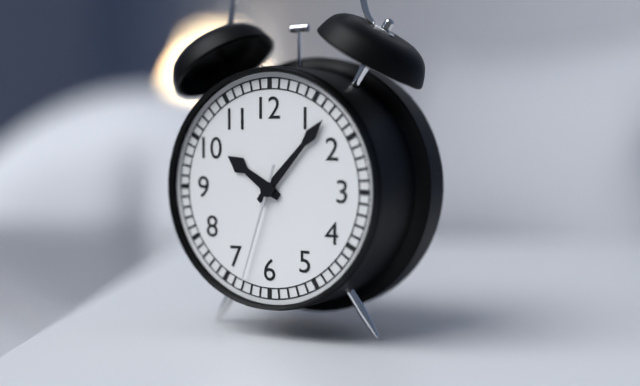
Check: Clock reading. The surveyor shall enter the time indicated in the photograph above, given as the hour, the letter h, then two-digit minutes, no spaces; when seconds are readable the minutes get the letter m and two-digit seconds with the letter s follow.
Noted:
10h07m33s
